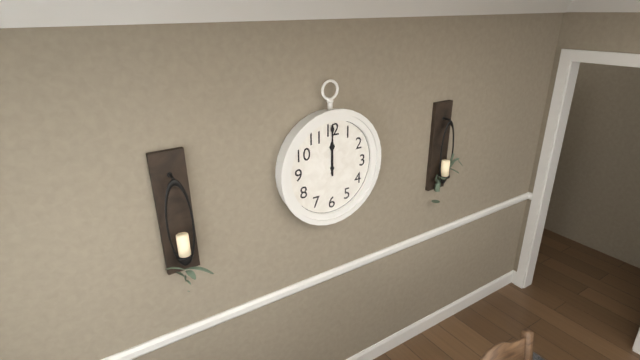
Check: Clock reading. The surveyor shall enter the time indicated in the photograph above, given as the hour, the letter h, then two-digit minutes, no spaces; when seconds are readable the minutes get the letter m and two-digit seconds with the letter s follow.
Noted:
12h00
